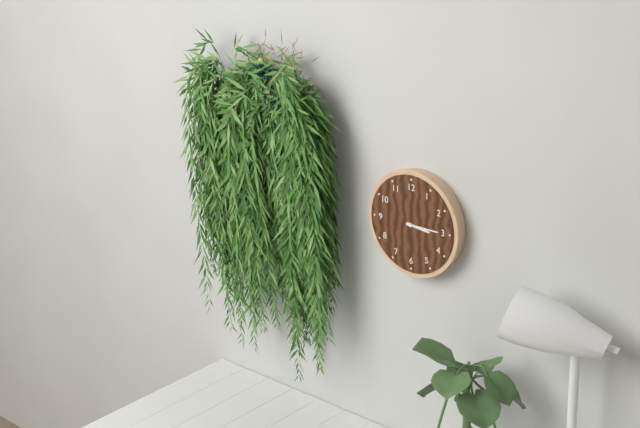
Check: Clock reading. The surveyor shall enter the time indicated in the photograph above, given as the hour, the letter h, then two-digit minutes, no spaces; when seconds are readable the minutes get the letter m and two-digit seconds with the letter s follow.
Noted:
3h15
